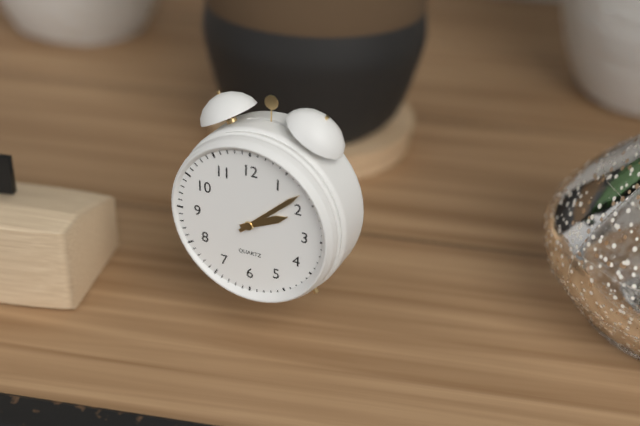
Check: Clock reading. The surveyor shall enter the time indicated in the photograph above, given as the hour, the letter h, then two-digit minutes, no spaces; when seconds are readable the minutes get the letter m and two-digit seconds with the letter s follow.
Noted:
2h08
